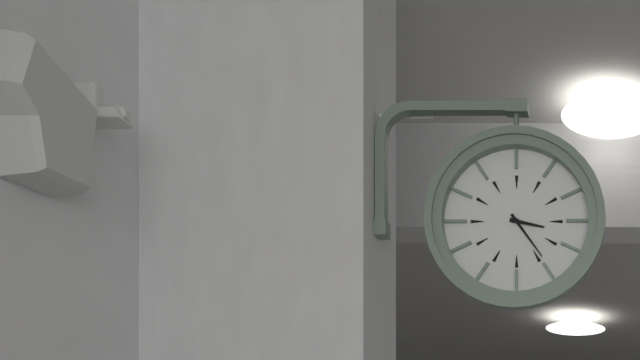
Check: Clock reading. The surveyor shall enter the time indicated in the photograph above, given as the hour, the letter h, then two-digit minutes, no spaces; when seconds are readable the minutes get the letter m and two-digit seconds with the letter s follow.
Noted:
3h24
